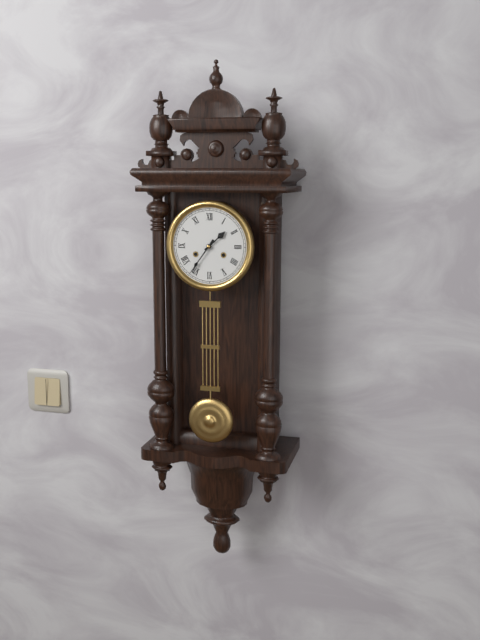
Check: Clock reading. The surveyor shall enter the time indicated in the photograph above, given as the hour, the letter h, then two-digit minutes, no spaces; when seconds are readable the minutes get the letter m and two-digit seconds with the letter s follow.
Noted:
1h36
